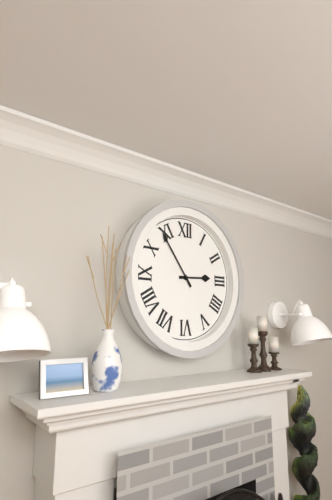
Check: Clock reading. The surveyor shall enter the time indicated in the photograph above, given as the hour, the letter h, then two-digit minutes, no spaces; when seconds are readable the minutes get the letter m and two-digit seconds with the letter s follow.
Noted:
2h54
